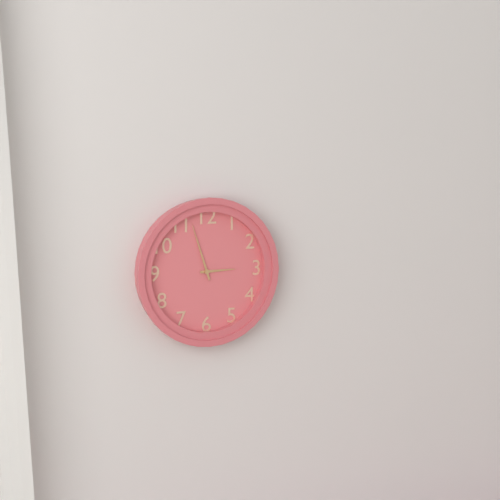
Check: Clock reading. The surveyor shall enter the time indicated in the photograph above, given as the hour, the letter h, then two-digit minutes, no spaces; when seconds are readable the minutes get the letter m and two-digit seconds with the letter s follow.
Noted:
2h57
